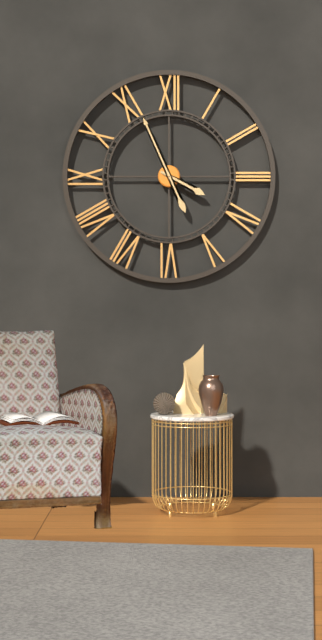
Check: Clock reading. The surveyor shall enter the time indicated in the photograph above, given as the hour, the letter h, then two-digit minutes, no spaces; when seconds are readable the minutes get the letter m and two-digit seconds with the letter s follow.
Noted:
3h56
